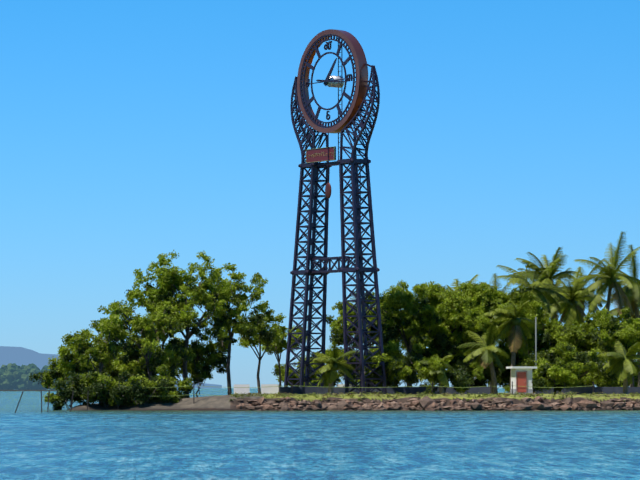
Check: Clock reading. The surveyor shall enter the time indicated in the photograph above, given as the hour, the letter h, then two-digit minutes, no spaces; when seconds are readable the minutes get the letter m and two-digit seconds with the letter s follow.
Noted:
1h16
